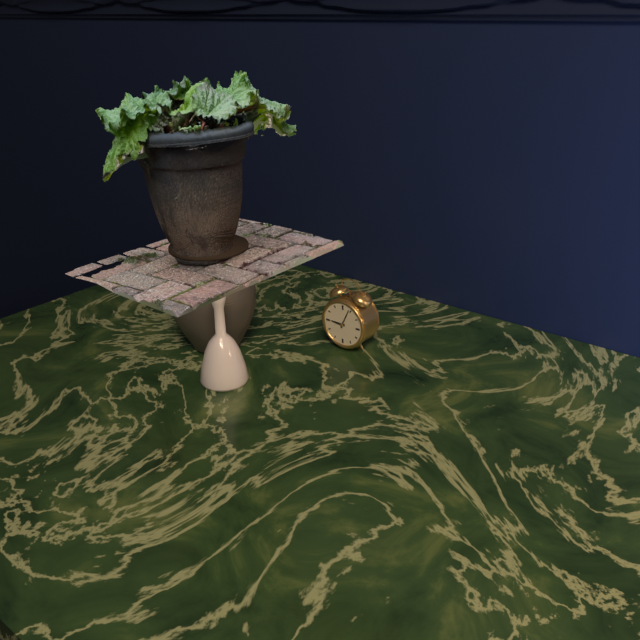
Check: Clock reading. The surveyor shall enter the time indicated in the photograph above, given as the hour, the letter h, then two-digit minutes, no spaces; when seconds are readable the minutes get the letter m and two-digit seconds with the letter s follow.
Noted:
9h04
